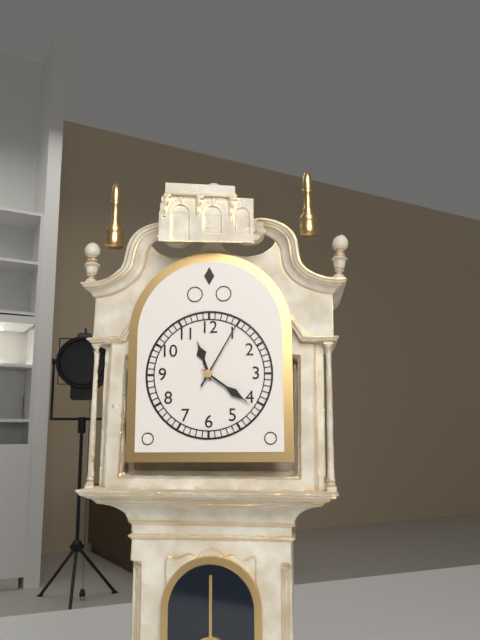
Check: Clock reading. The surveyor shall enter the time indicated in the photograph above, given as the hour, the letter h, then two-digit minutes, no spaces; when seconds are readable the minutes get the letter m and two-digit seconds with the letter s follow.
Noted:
11h21m05s
